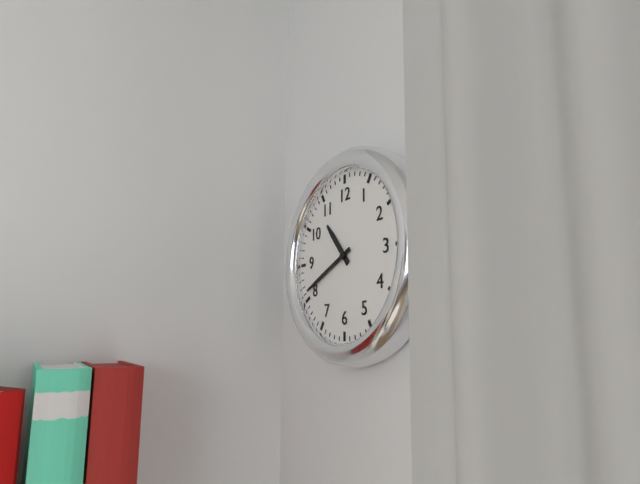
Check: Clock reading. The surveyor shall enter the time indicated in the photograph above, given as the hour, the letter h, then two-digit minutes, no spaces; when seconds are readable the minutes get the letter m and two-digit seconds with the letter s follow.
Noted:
10h41
